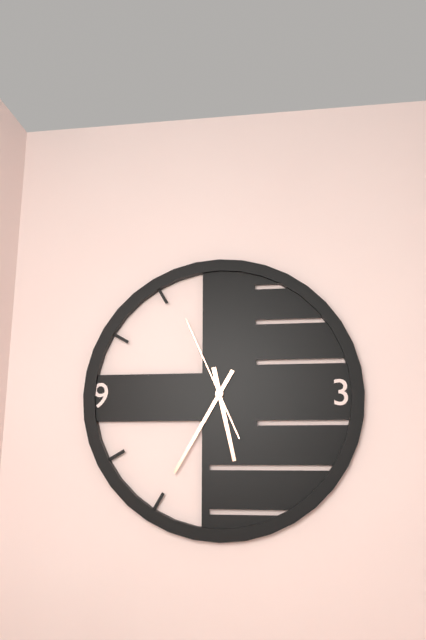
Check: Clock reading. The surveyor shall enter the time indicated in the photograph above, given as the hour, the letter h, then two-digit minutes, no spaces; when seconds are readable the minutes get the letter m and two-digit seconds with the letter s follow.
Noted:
5h35m56s
